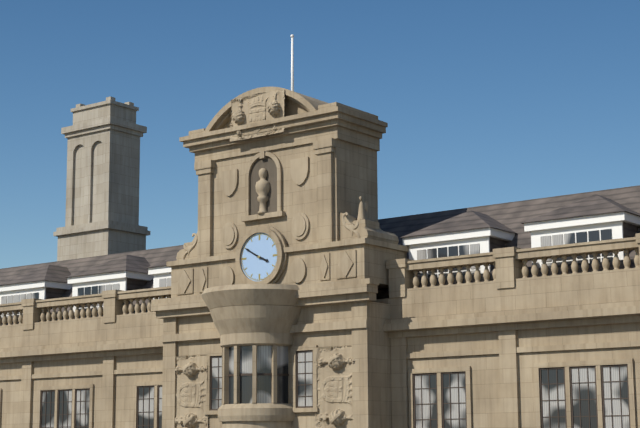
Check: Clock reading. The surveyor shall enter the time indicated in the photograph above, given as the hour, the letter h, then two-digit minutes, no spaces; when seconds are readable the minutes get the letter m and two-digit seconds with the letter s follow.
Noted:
3h50
